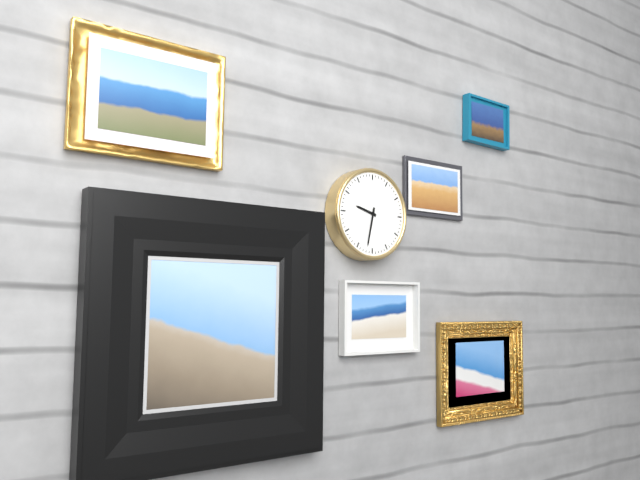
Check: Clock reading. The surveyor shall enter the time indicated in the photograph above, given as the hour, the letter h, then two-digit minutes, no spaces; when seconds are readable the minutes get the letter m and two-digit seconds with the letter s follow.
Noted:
9h32
